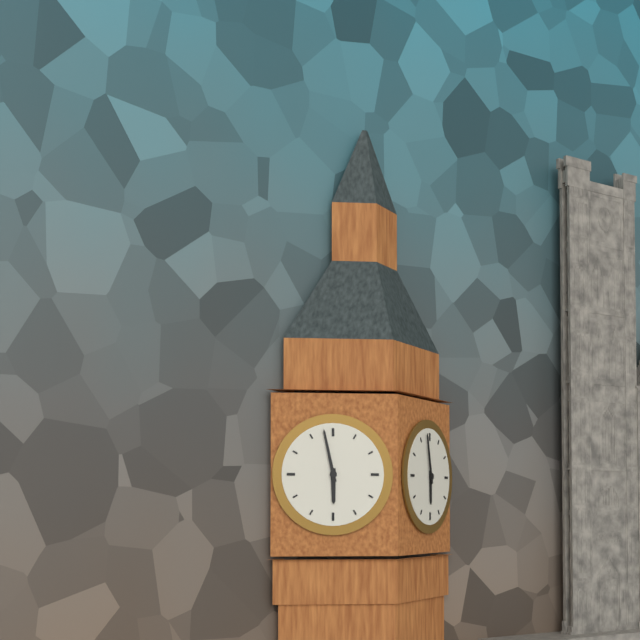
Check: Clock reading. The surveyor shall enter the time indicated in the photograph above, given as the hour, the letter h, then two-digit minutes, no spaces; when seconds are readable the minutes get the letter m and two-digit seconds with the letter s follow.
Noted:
5h58
